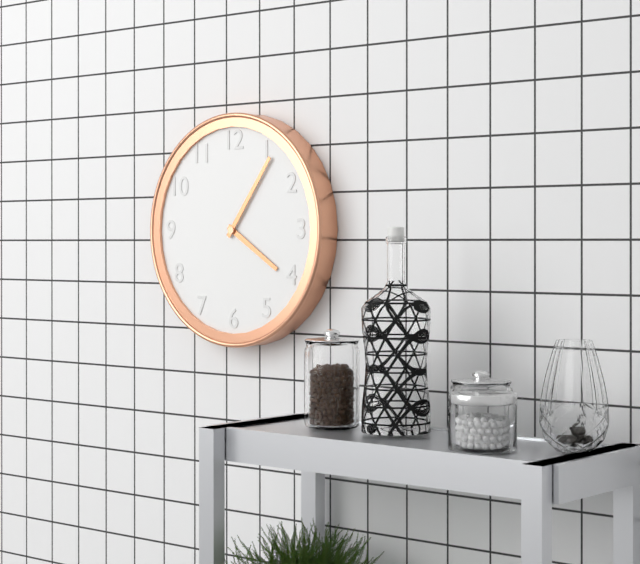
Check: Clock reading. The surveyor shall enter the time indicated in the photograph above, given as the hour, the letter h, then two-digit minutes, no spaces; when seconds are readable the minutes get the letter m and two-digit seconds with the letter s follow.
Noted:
4h06
